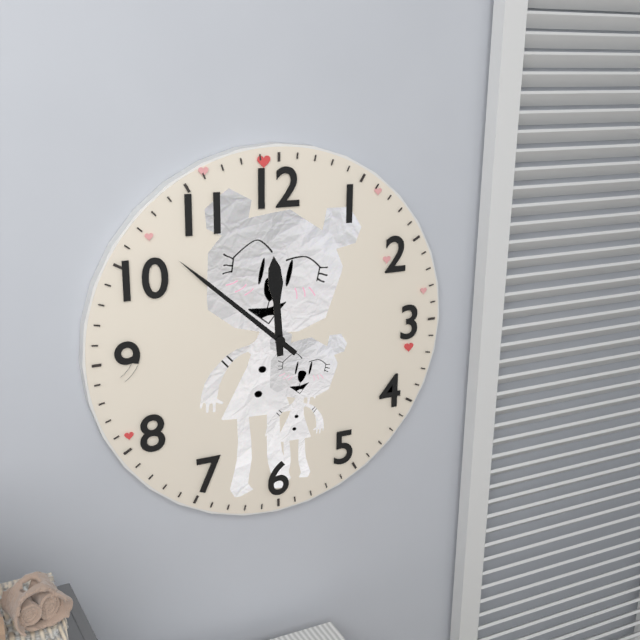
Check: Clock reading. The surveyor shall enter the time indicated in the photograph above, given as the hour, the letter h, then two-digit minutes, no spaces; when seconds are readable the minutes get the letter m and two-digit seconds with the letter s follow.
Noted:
11h52
